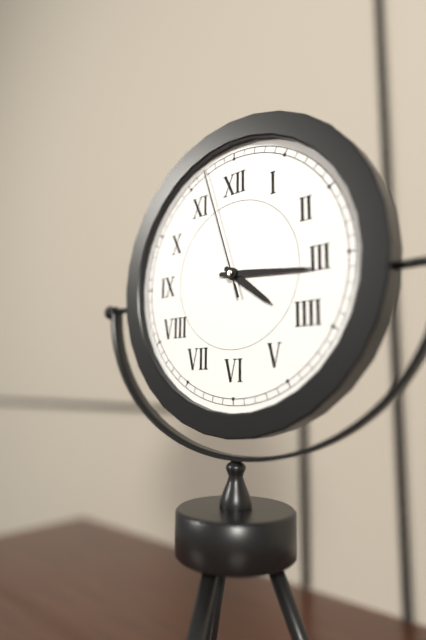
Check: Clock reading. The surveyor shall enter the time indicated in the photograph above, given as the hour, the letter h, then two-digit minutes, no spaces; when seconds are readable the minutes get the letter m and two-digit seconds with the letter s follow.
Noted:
4h16m57s
